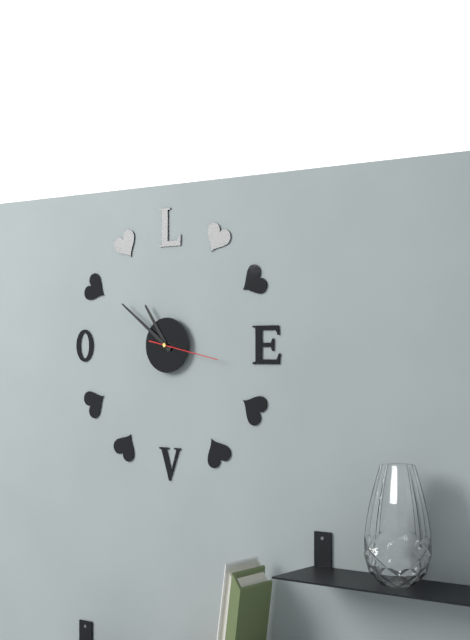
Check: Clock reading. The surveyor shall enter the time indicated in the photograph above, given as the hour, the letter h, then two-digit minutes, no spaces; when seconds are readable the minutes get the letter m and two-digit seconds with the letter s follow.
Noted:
10h51m17s
